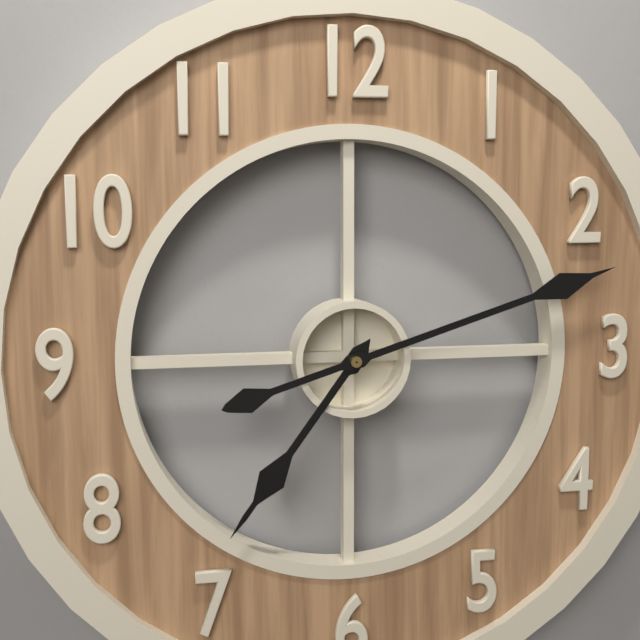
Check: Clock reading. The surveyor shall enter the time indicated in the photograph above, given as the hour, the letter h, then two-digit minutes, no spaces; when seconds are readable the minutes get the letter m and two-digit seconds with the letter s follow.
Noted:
7h12
